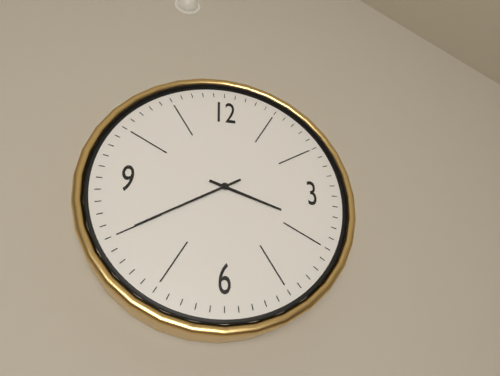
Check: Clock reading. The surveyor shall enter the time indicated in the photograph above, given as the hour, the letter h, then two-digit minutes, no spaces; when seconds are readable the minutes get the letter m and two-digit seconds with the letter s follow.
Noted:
3h40
